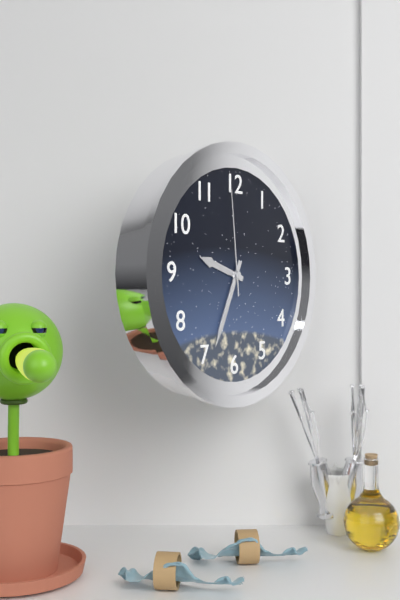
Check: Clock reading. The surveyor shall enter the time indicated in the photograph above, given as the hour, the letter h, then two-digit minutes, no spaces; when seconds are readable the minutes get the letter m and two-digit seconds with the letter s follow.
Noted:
9h34m59s
